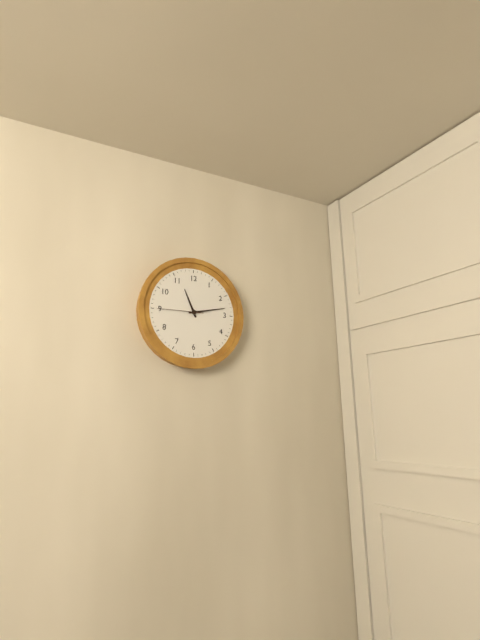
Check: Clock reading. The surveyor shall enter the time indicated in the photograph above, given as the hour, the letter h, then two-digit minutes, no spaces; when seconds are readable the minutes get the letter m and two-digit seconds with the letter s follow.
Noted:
11h13
